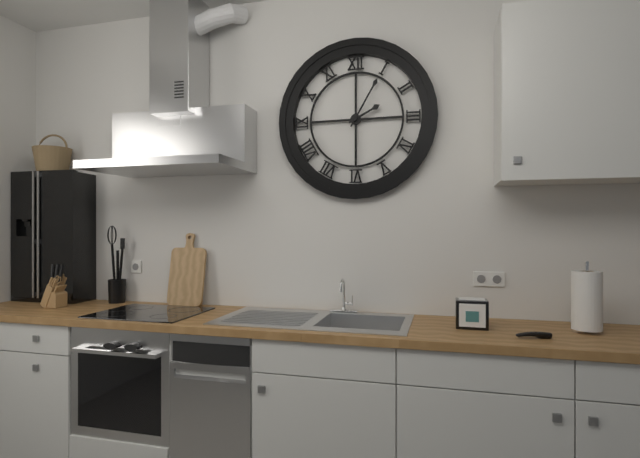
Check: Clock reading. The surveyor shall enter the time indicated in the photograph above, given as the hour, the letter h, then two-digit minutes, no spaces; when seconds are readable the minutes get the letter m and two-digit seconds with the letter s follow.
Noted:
2h05
